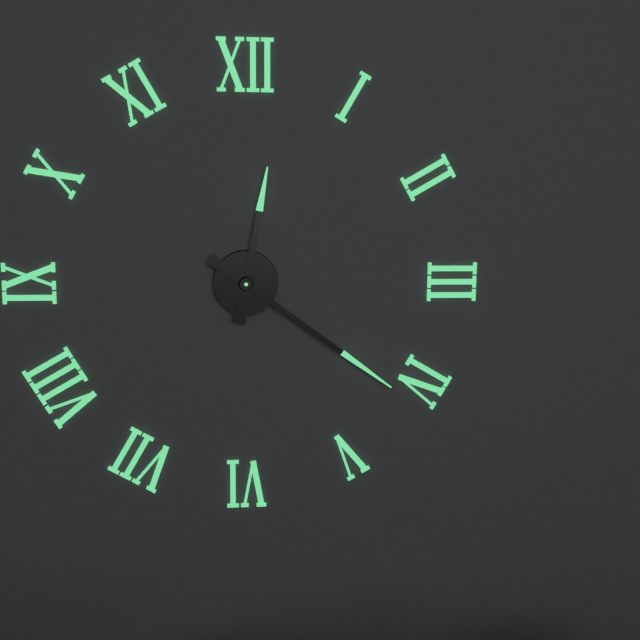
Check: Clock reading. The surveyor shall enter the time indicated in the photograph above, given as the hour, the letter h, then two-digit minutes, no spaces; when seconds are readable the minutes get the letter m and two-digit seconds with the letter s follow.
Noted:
12h21
